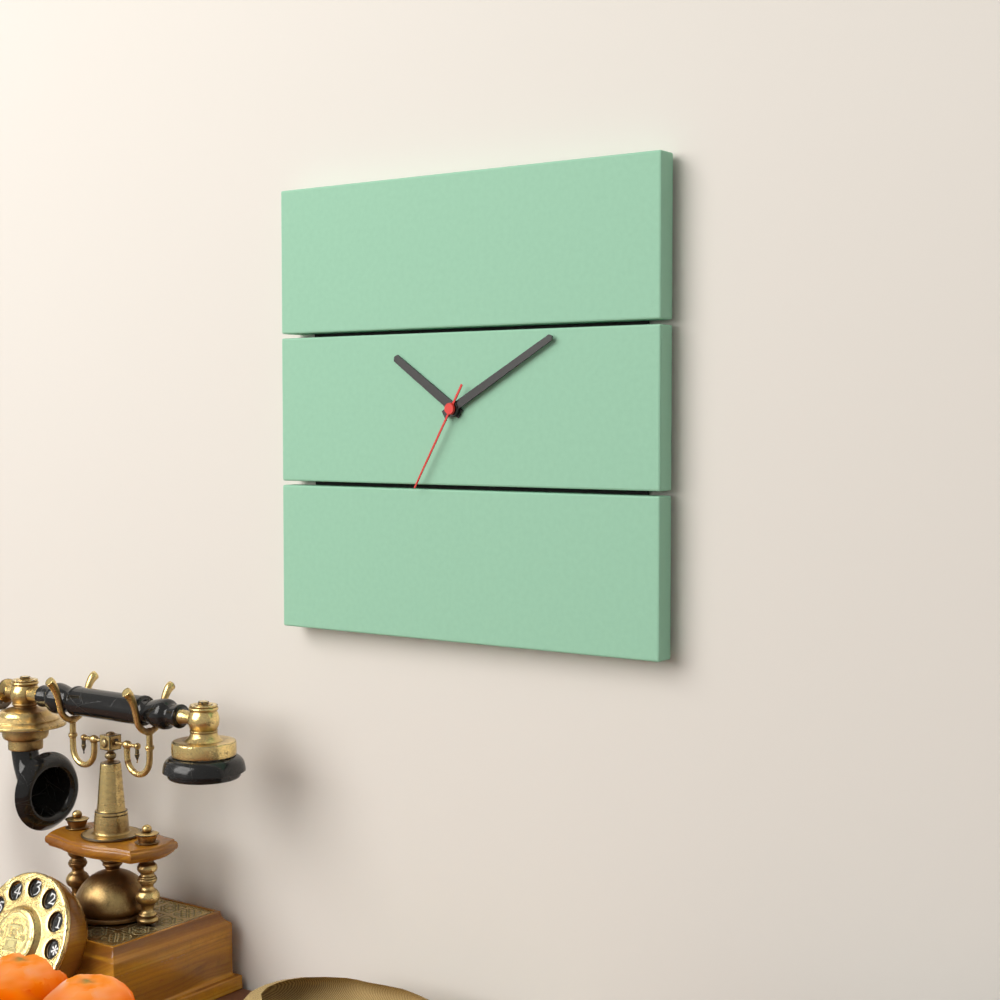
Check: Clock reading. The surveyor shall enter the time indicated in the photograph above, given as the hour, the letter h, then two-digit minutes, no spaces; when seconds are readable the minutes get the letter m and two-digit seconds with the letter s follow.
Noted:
10h10m35s
